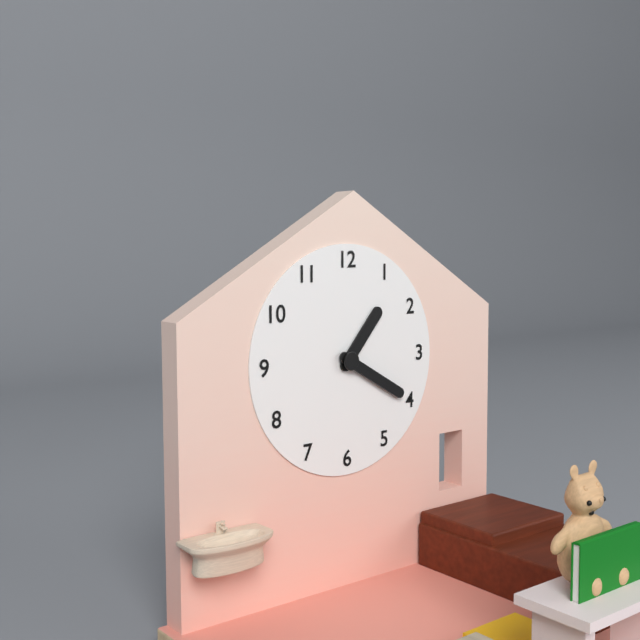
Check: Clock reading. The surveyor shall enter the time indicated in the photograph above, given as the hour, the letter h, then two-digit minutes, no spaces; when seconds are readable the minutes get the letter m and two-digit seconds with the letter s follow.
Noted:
1h20
